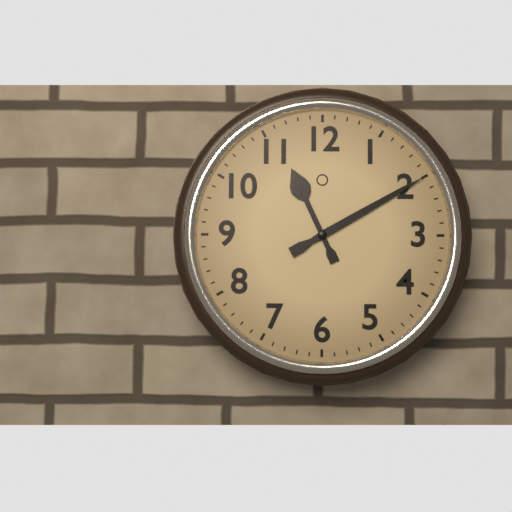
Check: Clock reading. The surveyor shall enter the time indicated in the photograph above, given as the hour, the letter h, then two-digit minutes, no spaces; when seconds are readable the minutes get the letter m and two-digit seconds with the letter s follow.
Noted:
11h10
